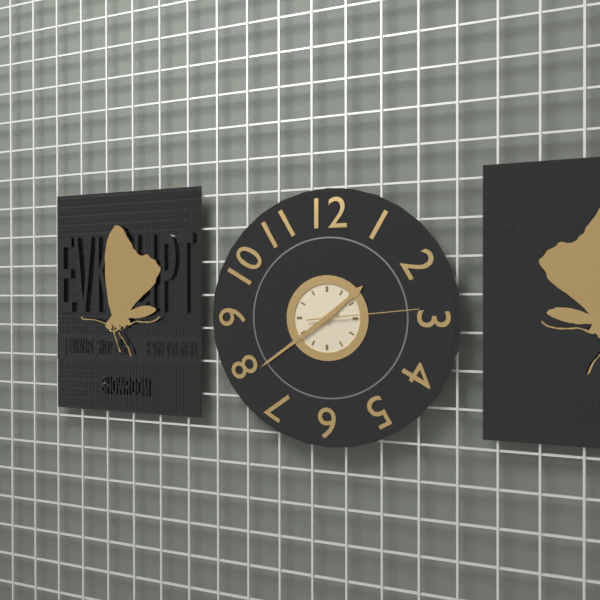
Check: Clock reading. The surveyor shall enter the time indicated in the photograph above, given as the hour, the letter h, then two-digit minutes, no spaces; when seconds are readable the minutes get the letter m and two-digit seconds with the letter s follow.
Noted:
1h39m14s
